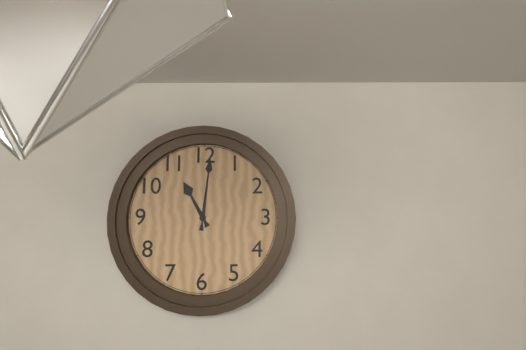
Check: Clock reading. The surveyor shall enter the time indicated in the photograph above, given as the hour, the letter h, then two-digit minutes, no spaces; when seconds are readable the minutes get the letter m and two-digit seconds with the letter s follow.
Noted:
11h01
